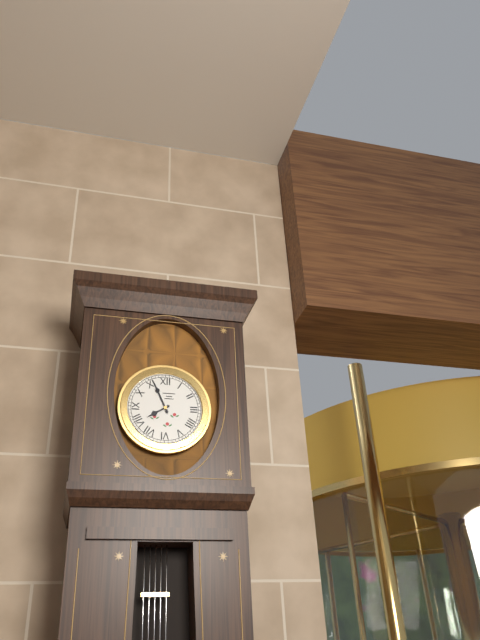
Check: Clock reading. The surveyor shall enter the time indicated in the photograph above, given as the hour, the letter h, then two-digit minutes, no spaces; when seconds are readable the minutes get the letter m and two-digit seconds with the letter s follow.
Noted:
7h56
